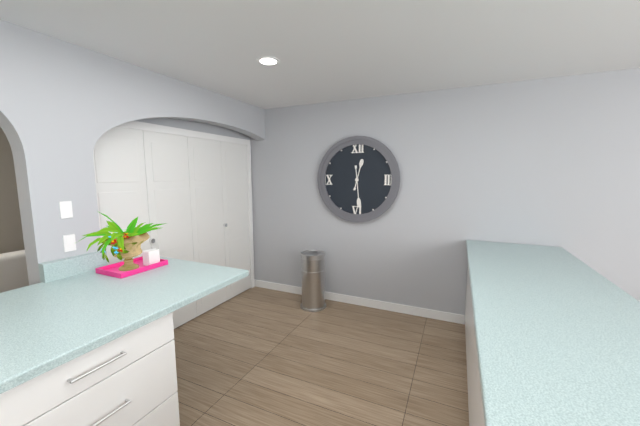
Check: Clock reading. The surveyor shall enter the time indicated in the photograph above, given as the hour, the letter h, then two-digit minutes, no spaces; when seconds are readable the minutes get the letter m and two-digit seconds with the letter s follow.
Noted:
12h29
